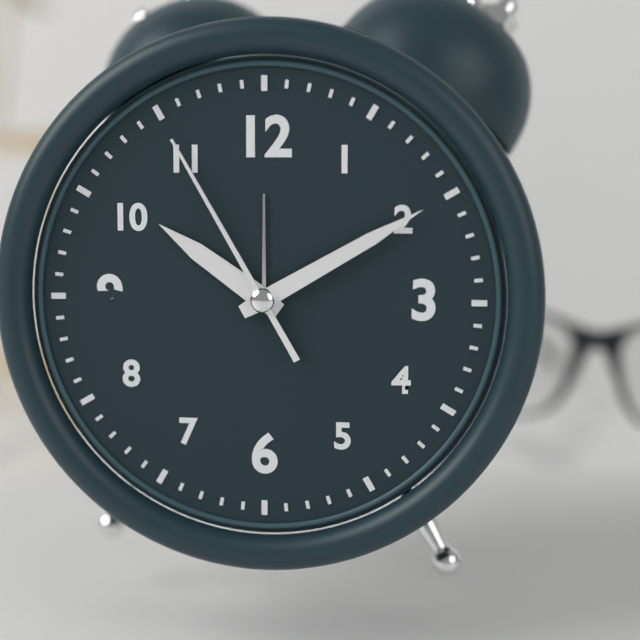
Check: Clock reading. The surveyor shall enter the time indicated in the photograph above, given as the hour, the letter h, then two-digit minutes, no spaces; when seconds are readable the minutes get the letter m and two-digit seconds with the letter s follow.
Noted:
10h10m55s
